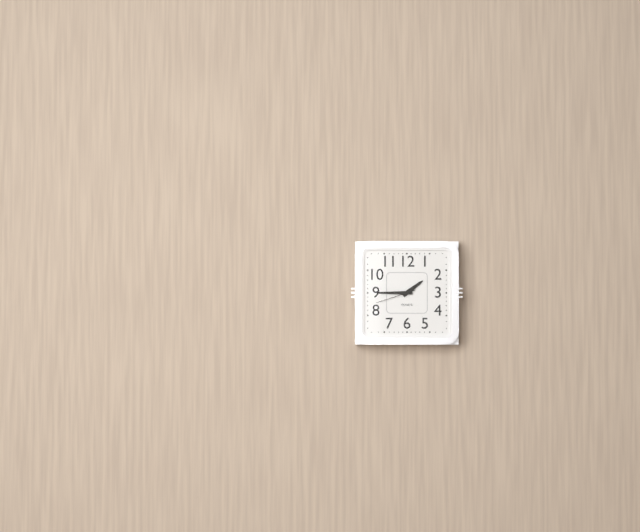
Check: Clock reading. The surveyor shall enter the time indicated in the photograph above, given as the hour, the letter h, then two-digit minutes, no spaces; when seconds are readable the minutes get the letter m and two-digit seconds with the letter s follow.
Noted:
1h45
